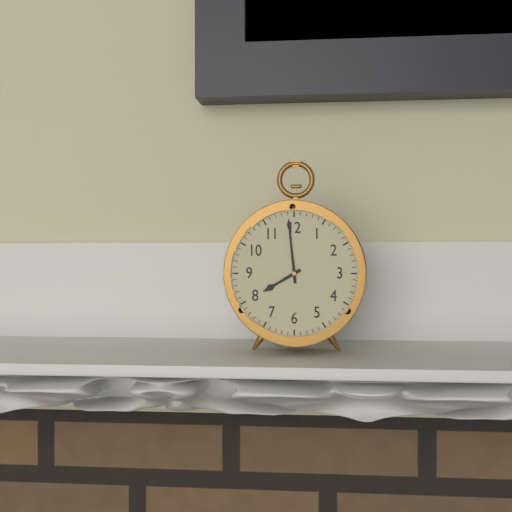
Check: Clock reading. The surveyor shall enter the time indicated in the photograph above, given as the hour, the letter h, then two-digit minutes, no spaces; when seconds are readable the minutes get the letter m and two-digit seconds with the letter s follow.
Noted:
7h59
